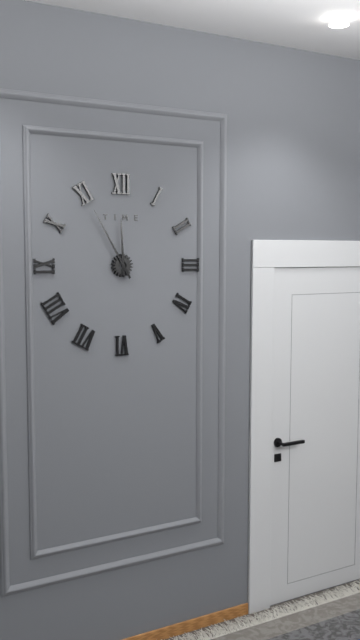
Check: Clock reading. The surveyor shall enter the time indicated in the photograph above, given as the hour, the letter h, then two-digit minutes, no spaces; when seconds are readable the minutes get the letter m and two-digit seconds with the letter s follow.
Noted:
11h55
